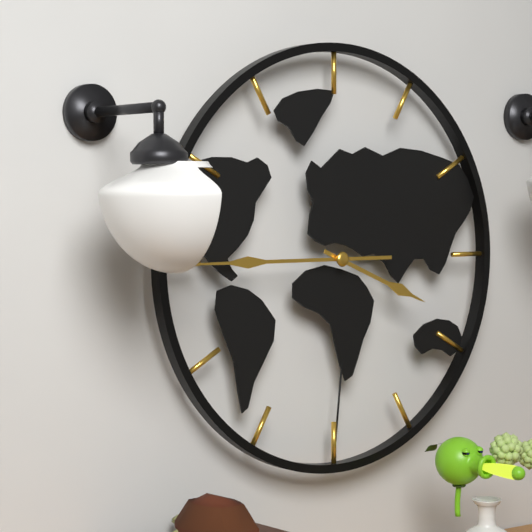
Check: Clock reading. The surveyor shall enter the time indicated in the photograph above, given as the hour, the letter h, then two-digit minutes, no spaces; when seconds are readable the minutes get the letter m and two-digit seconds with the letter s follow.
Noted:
3h45
